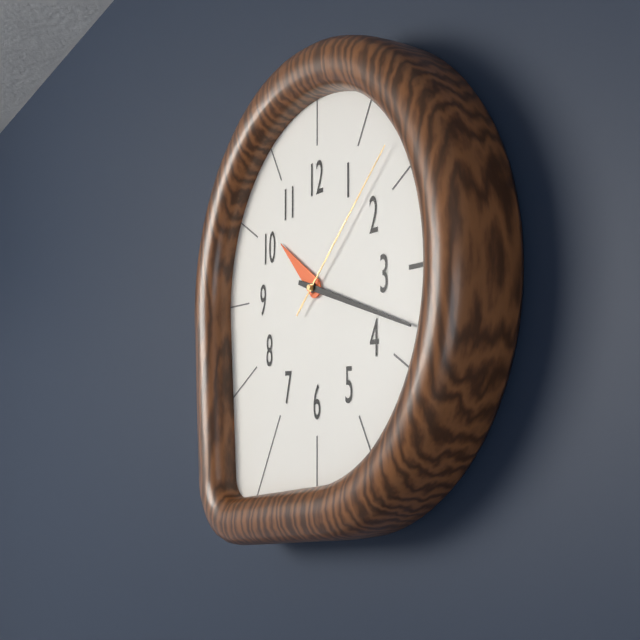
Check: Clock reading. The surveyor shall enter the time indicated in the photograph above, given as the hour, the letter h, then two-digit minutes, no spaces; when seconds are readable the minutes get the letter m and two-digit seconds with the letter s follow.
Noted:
10h18m08s
